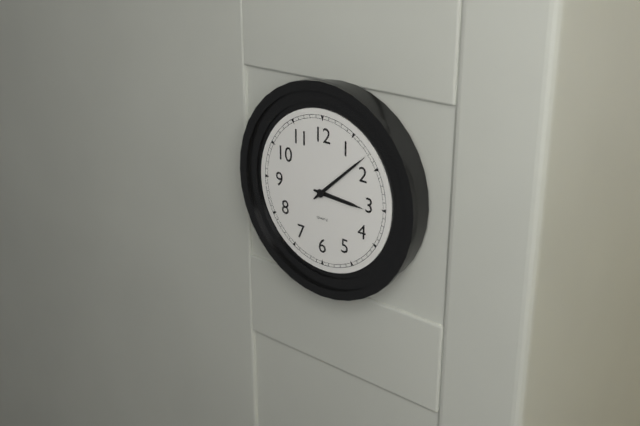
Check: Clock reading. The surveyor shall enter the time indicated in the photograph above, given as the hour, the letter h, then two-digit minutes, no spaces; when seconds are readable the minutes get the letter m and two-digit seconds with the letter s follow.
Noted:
3h08
